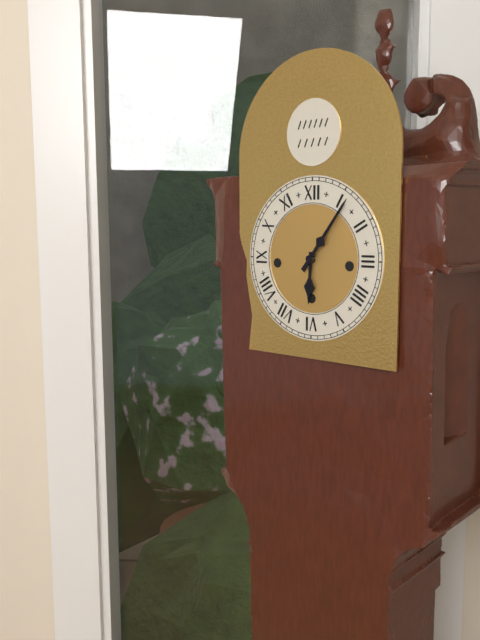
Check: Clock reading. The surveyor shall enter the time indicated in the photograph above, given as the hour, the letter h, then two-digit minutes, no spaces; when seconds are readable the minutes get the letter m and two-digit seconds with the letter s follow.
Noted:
6h06
